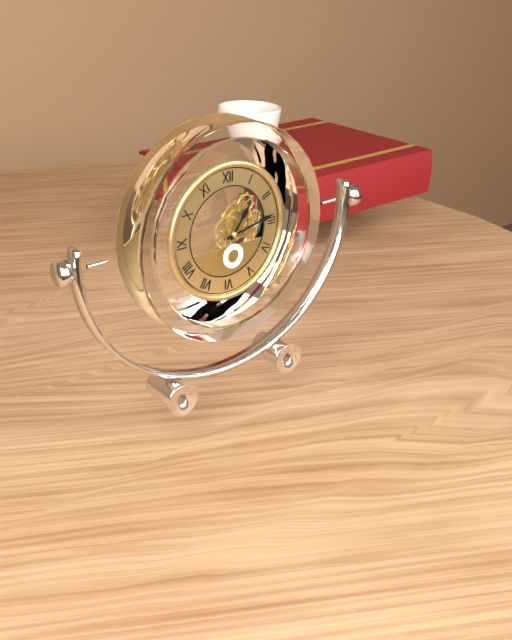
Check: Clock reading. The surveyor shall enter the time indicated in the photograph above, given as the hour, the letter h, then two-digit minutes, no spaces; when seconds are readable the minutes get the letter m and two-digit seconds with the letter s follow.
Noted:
1h13
